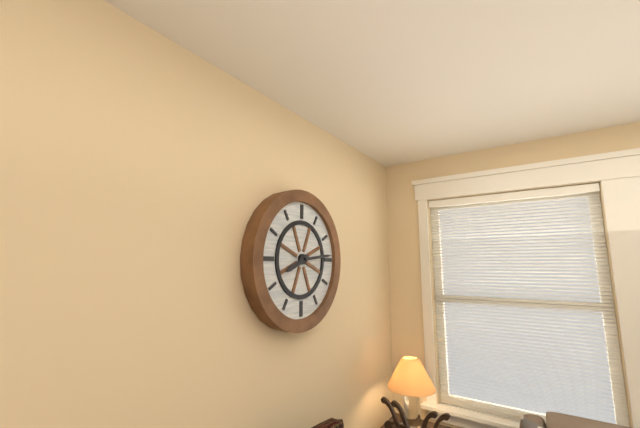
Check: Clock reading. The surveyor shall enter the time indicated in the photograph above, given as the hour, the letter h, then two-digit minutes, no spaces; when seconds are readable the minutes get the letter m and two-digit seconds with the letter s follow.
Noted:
8h14
